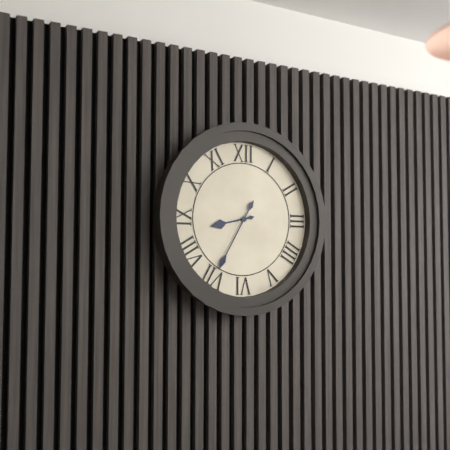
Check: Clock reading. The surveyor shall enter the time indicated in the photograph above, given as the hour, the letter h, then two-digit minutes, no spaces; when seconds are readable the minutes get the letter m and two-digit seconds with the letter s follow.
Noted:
8h35
